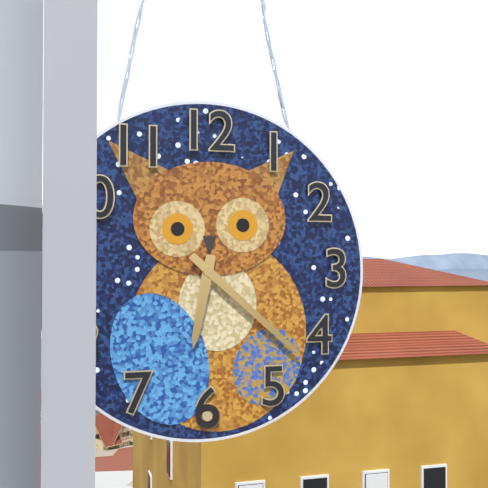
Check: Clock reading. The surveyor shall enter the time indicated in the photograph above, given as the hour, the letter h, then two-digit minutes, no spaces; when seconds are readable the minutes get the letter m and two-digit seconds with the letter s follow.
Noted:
6h22
